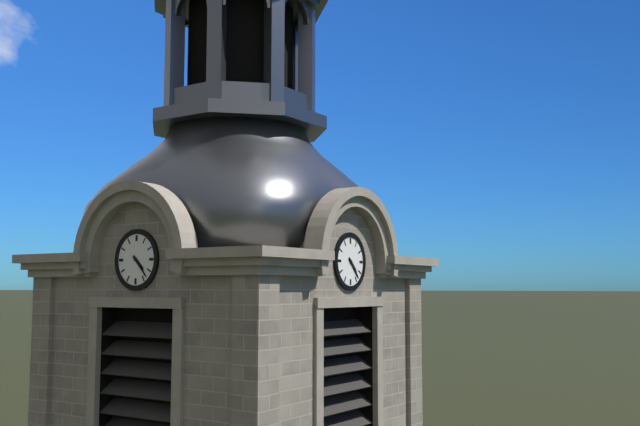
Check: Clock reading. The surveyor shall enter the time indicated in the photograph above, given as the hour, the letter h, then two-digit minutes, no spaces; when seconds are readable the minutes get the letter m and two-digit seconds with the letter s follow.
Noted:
4h23
